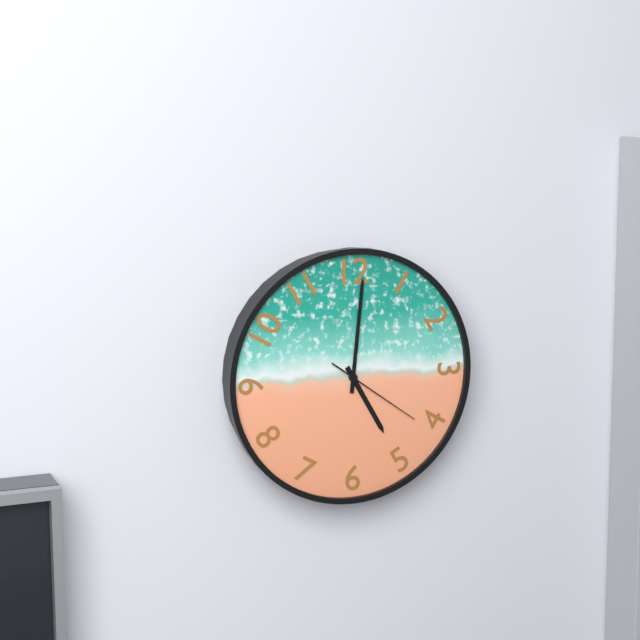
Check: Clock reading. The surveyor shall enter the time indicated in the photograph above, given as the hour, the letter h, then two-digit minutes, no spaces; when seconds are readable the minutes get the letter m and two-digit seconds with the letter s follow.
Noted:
5h01m21s
